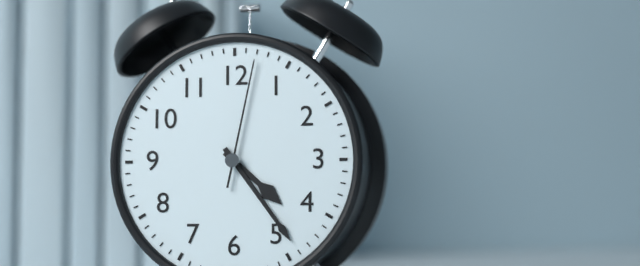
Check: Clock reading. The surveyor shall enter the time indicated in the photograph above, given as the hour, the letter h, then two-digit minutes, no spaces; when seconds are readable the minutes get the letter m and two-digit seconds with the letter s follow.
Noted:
4h24m02s
